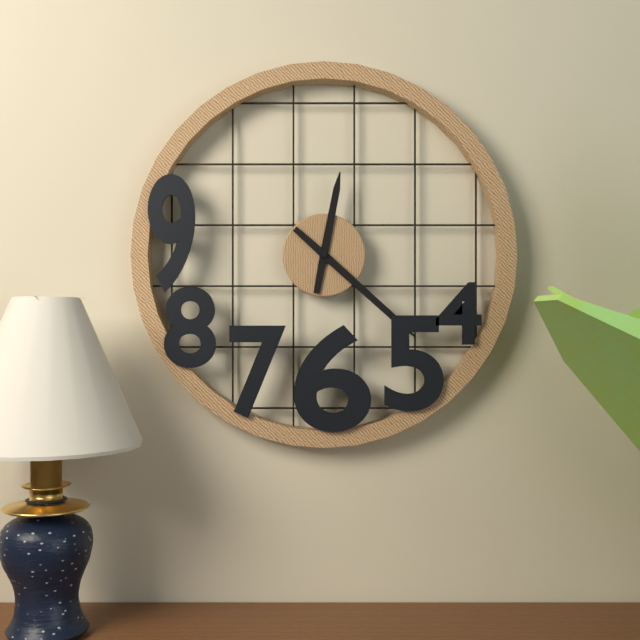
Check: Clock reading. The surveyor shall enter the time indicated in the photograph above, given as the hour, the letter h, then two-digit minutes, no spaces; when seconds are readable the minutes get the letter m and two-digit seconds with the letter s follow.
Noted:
12h22
